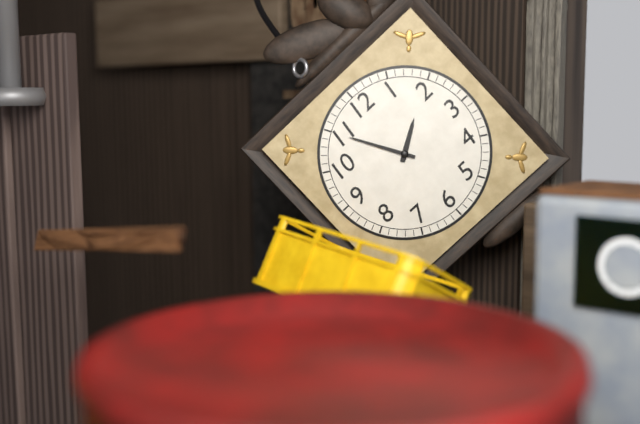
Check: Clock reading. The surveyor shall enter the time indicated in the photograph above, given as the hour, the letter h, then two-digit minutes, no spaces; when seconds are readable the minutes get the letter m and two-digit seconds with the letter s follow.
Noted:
1h55
